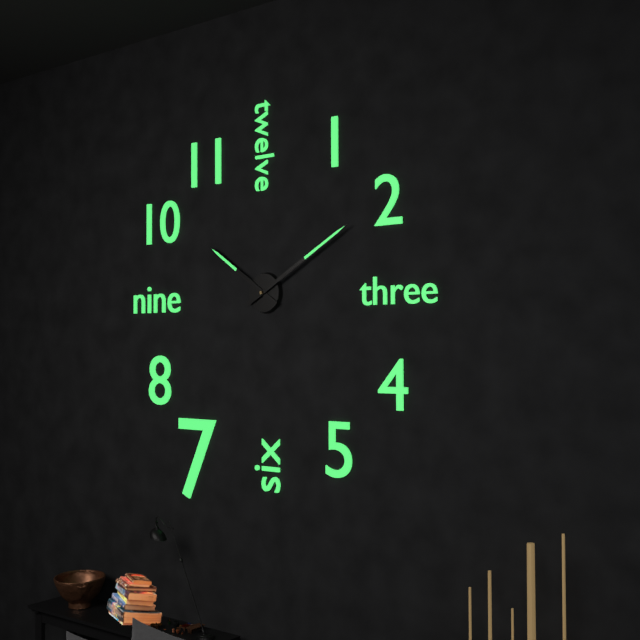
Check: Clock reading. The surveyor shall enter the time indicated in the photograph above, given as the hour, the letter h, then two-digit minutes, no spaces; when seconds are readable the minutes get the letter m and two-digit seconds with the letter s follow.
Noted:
10h10
